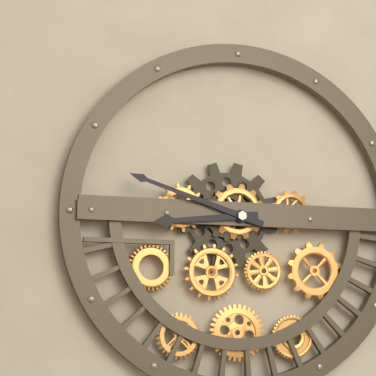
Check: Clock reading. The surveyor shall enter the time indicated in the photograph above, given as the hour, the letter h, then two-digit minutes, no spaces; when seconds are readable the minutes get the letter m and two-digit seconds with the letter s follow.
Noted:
8h48
